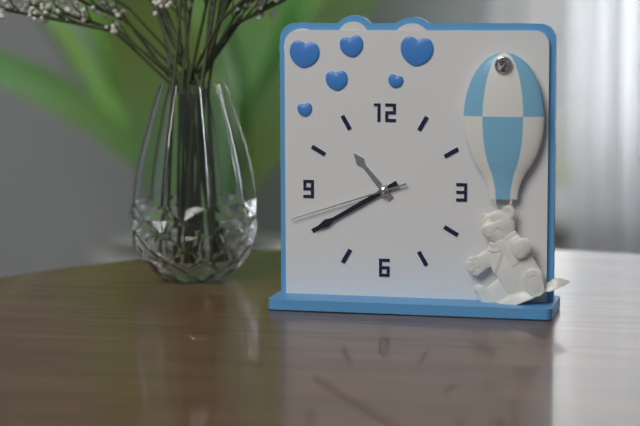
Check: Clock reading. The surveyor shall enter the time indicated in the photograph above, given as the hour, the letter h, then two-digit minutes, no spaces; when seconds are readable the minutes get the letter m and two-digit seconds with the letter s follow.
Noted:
10h40m42s
